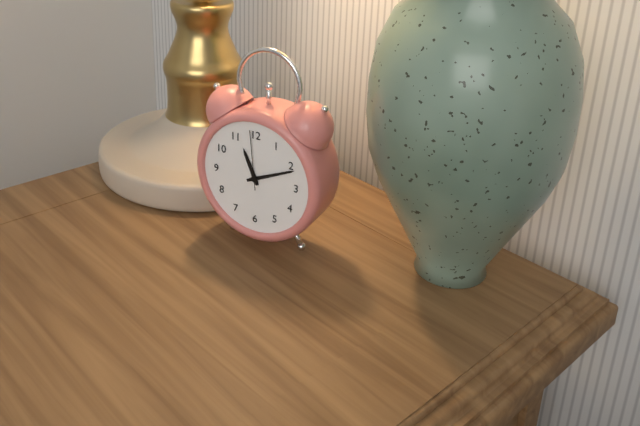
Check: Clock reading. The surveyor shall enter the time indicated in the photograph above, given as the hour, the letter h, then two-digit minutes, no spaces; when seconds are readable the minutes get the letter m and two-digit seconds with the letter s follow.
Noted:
11h11m59s
